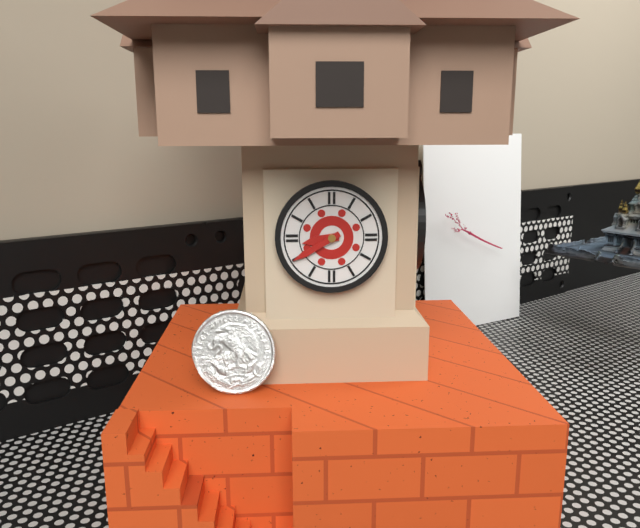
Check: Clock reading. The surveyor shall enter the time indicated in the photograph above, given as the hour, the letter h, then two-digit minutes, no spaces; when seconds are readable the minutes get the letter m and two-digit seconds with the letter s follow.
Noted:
8h40
